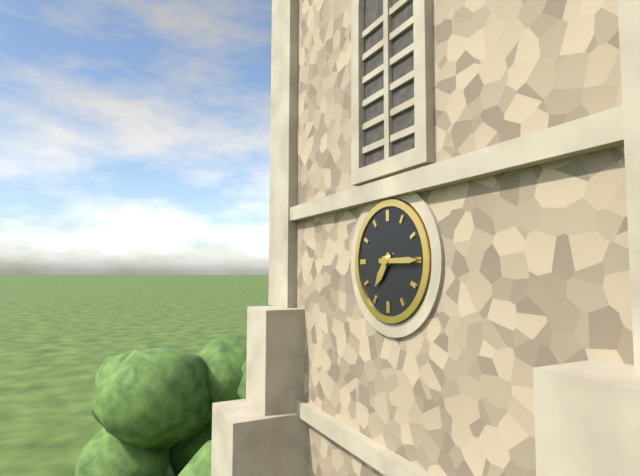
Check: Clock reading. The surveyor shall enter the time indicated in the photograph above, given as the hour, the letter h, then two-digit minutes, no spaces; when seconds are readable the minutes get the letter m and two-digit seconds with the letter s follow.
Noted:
7h15
